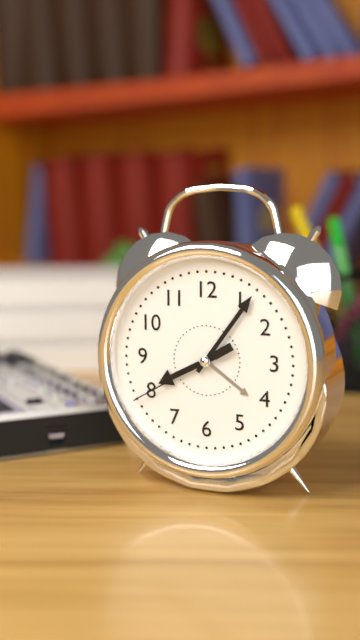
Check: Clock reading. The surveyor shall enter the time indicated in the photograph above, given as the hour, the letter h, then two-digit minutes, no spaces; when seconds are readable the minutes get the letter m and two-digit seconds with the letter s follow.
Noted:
8h06m40s
